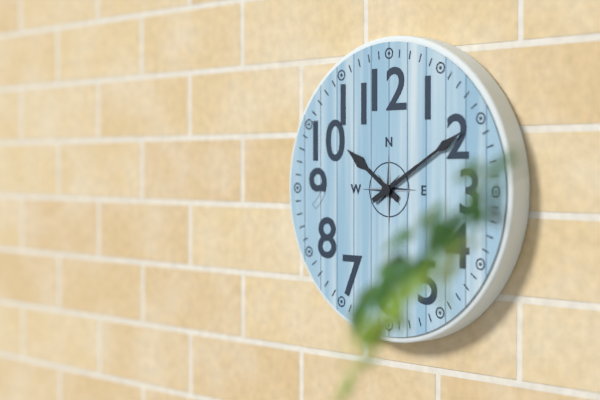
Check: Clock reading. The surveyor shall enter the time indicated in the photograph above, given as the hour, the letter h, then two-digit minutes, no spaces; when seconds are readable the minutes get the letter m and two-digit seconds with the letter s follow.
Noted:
10h10
